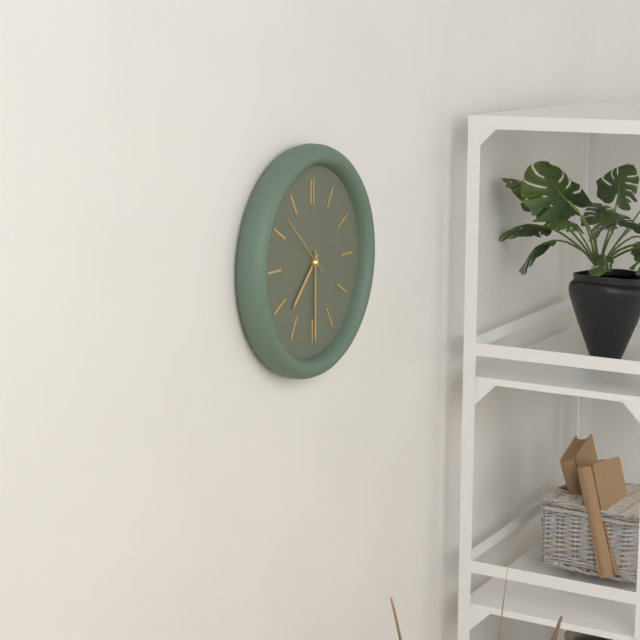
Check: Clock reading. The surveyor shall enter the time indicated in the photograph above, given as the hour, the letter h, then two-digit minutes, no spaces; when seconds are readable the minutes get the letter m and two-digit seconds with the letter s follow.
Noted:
7h30m52s
